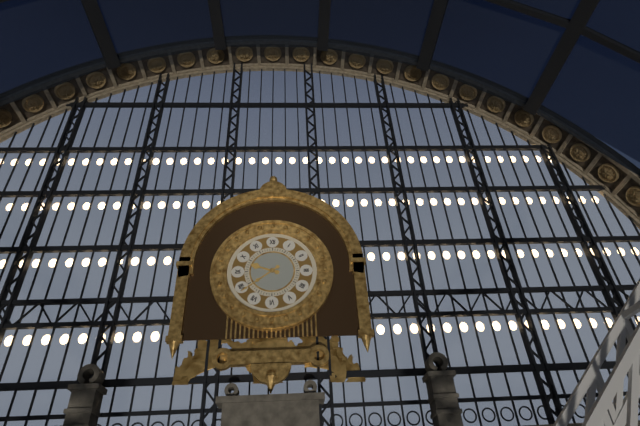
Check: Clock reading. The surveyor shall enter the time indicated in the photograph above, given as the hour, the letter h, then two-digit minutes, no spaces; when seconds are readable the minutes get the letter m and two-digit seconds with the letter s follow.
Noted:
9h39
